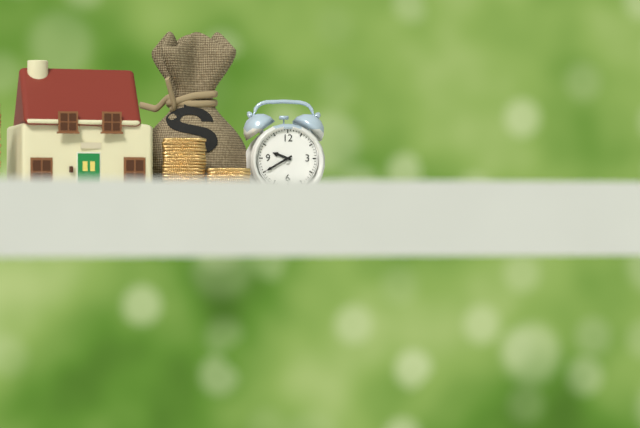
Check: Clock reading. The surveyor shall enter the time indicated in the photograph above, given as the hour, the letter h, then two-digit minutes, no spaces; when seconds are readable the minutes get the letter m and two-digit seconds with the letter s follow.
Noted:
9h40
